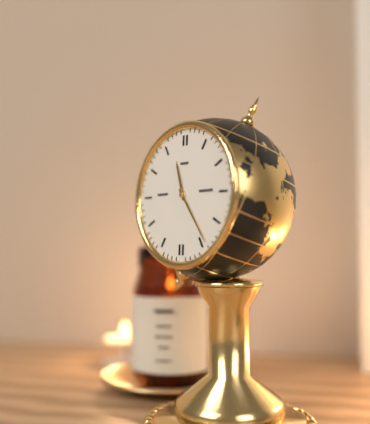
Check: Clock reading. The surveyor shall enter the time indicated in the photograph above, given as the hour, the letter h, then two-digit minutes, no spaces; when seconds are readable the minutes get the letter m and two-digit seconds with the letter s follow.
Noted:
11h24
